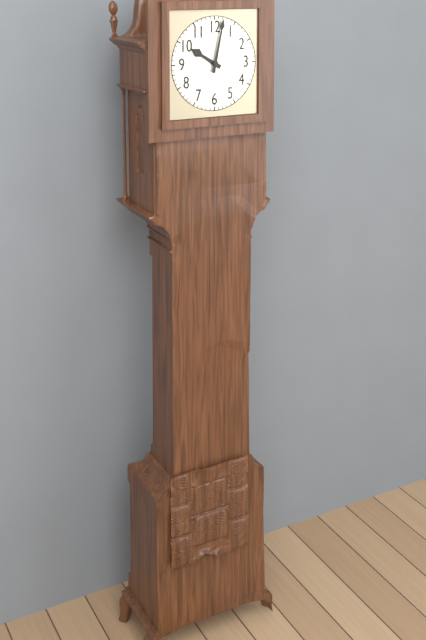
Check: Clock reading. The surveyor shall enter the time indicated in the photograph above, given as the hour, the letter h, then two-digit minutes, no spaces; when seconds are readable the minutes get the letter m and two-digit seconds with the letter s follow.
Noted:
10h02
